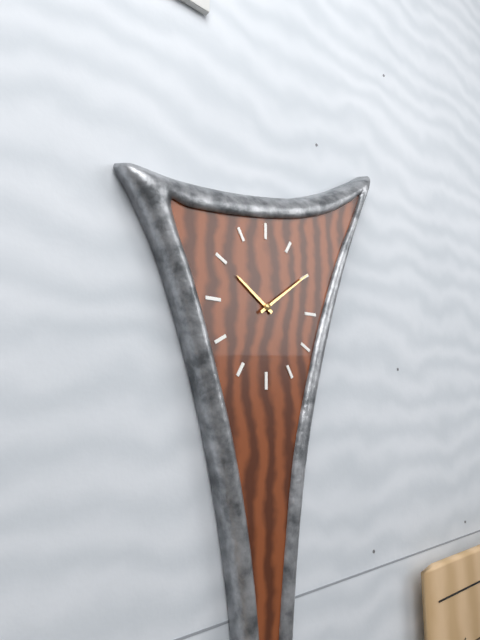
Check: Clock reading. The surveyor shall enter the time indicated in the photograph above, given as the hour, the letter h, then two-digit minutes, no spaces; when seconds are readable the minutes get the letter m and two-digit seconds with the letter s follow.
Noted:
10h09
